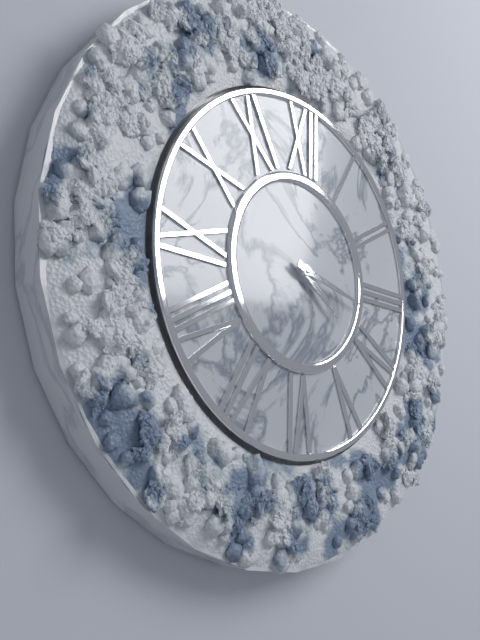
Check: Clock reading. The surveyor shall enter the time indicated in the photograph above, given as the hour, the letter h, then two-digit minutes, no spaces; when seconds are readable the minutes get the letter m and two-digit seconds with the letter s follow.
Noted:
4h17
